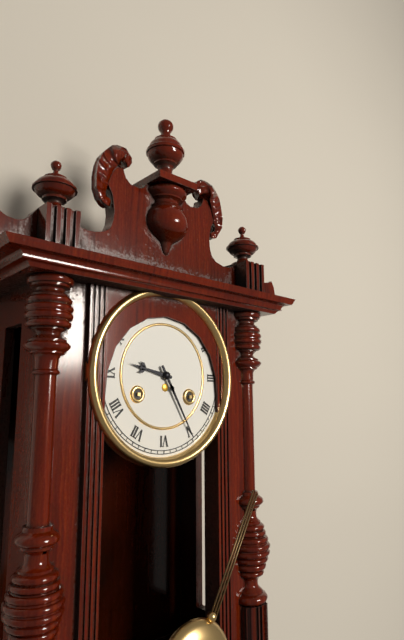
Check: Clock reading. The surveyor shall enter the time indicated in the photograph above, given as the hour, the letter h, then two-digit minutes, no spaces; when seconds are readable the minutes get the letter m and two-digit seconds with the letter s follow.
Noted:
9h25
